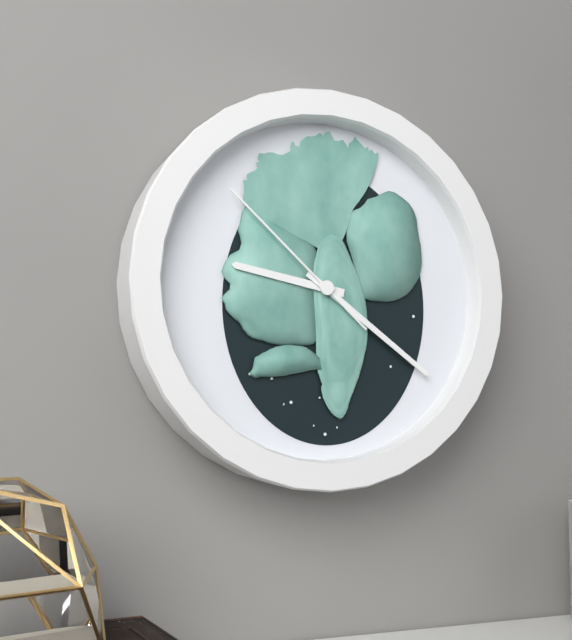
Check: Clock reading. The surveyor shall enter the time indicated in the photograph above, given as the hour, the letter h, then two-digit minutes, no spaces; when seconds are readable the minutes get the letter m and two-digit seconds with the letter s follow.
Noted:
9h21m52s
